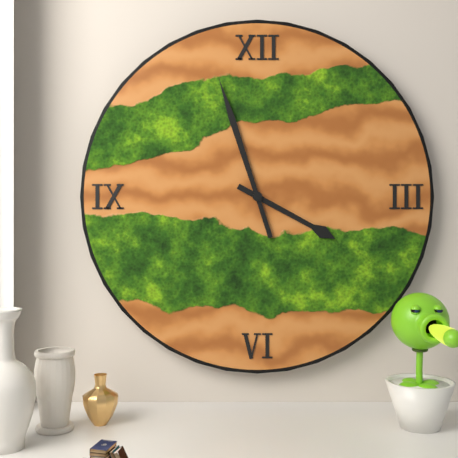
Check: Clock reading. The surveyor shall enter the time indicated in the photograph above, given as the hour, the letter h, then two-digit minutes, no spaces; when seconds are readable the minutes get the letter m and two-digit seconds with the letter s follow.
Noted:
3h57
